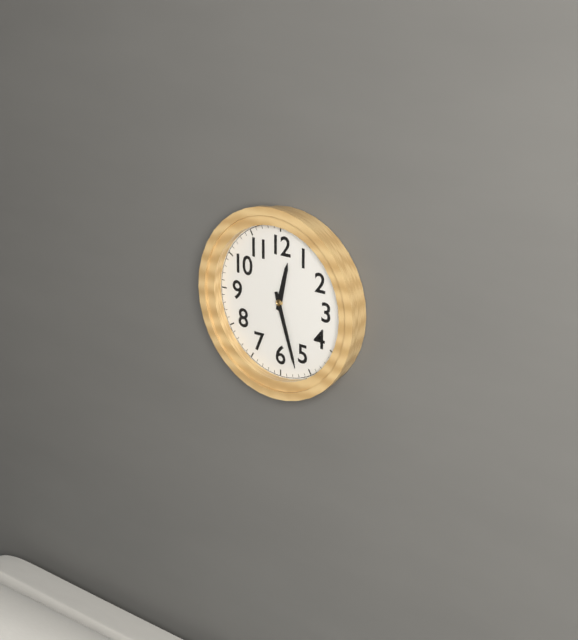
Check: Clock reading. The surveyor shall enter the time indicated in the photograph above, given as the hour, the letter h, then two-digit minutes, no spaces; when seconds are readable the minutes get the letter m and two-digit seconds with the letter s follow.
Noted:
12h27
